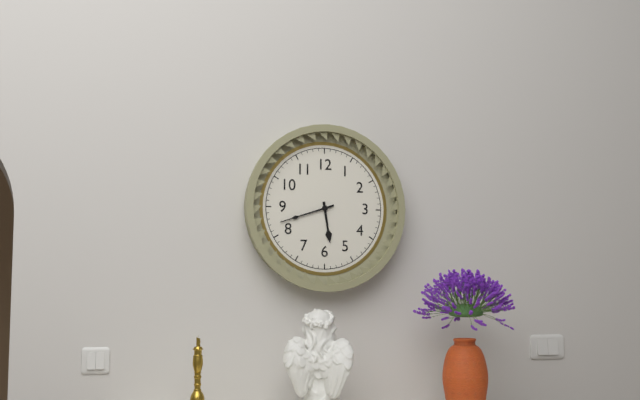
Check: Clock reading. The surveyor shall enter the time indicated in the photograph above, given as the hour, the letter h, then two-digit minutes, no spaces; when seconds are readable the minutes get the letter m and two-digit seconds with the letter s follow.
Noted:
5h42
